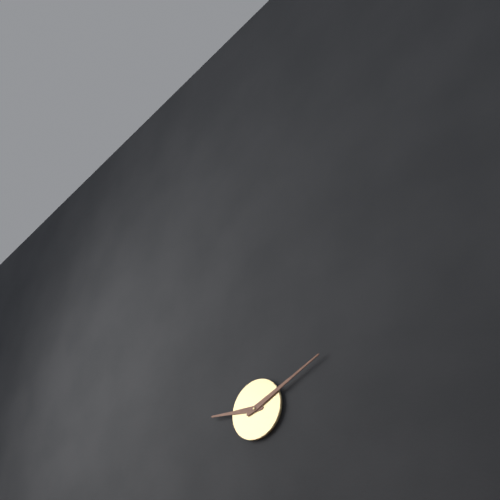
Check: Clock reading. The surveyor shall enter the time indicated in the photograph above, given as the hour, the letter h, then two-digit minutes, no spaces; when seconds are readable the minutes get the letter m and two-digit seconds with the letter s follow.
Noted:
9h11
